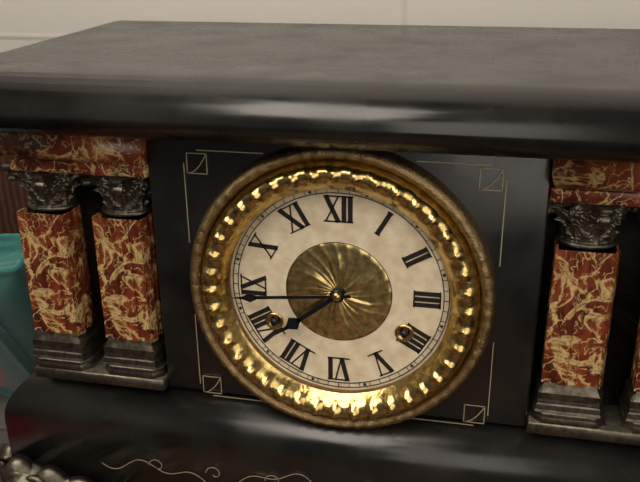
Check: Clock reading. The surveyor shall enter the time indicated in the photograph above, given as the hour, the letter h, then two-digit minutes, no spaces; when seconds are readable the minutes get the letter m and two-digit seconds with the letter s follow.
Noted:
7h44
